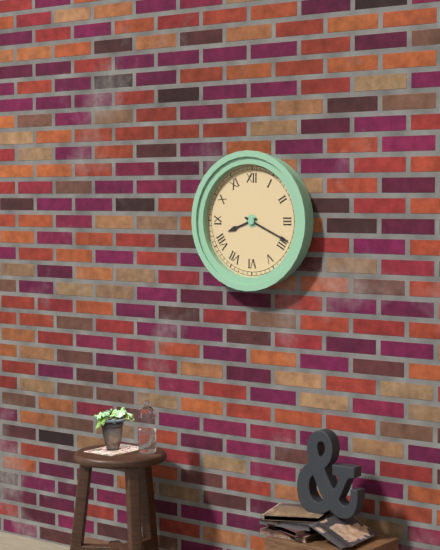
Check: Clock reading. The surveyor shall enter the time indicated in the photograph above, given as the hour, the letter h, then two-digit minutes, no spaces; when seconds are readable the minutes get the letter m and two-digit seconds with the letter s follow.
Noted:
8h19
